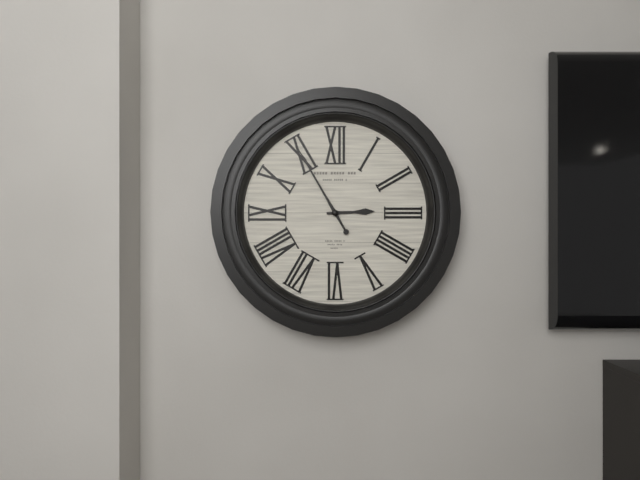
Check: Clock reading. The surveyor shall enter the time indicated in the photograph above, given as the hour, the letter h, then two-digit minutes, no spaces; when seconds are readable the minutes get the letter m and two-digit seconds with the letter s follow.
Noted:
2h55
